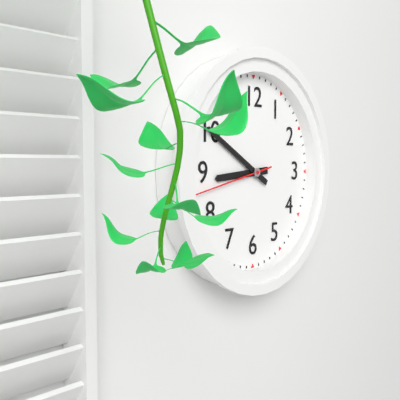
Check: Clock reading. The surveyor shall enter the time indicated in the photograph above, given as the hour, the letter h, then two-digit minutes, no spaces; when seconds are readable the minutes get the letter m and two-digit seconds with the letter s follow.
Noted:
8h50m43s
